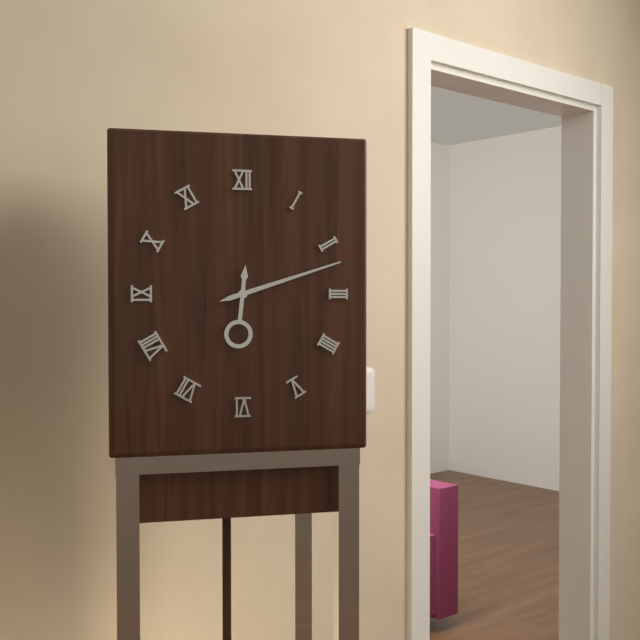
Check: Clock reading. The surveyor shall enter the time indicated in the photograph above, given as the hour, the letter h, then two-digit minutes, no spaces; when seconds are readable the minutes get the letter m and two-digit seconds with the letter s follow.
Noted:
6h12
